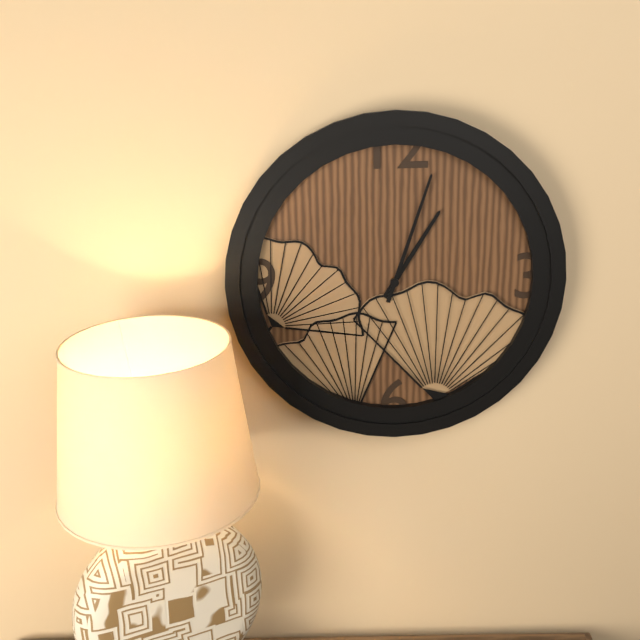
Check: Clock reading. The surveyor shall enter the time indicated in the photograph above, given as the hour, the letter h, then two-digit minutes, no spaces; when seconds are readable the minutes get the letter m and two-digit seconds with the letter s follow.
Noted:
1h03
